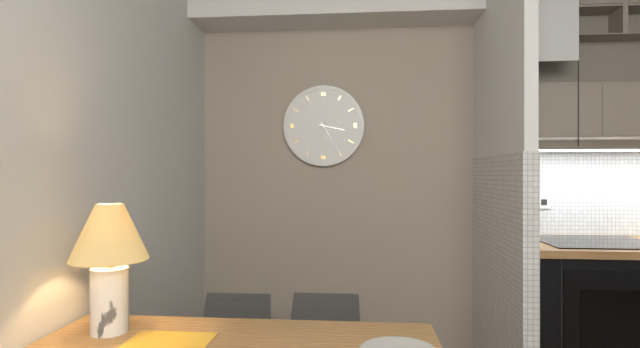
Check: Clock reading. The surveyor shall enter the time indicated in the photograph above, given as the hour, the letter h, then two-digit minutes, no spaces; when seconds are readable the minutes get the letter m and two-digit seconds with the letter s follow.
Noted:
3h25
